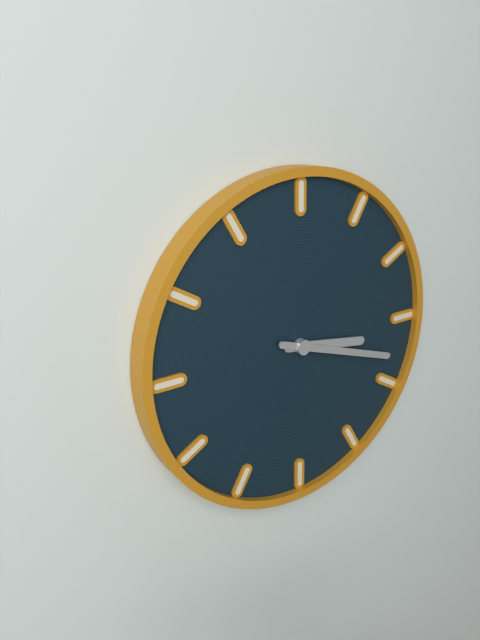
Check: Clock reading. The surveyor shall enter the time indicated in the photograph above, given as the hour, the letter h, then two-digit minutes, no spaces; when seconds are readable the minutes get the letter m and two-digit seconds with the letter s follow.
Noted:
3h18
